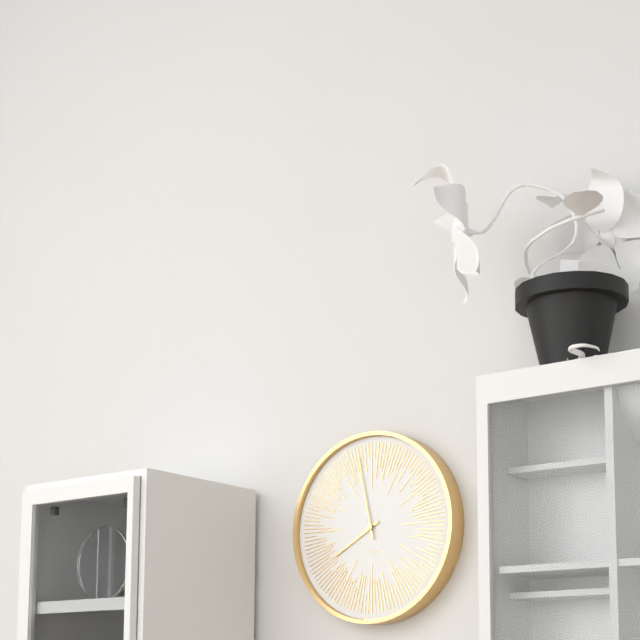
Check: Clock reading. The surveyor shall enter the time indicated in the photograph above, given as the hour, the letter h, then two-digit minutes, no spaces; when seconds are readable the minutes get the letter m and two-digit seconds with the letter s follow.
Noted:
7h58
